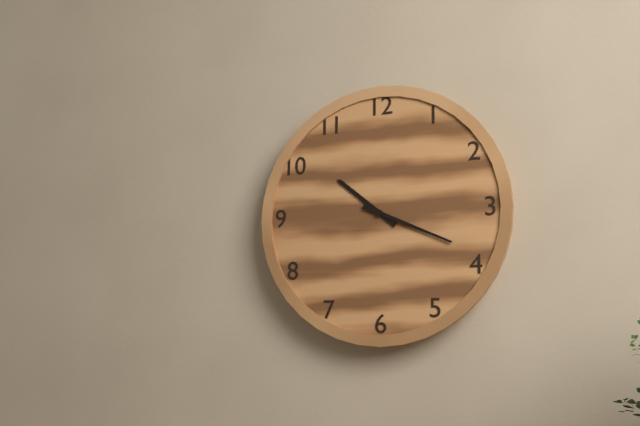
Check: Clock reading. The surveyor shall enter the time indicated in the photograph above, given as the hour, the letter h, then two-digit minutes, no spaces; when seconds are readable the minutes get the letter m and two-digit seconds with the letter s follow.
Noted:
10h19
